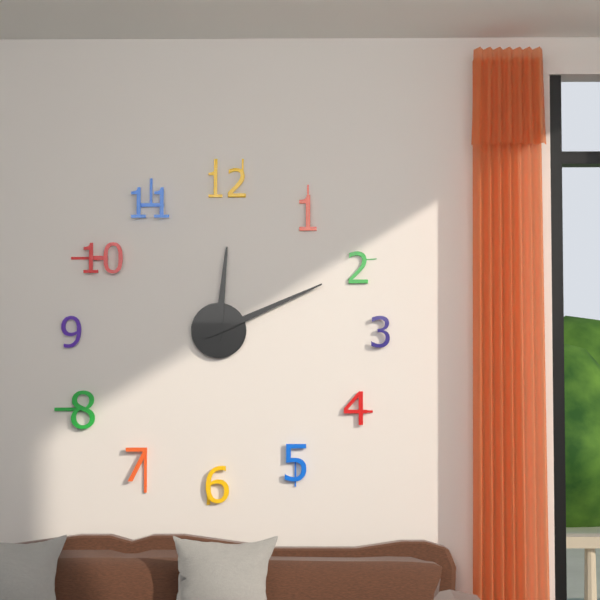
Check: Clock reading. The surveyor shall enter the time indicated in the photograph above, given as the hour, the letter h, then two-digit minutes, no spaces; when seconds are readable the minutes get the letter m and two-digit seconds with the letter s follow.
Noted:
12h11
